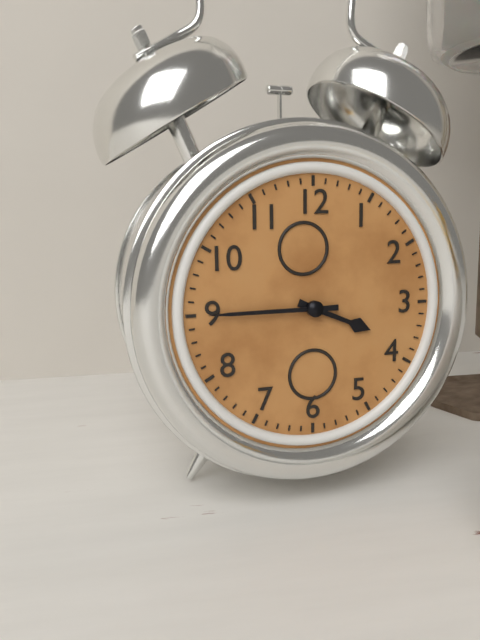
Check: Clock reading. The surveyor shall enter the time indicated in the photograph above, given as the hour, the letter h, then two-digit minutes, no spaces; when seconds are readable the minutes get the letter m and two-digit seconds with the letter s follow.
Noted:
3h45
